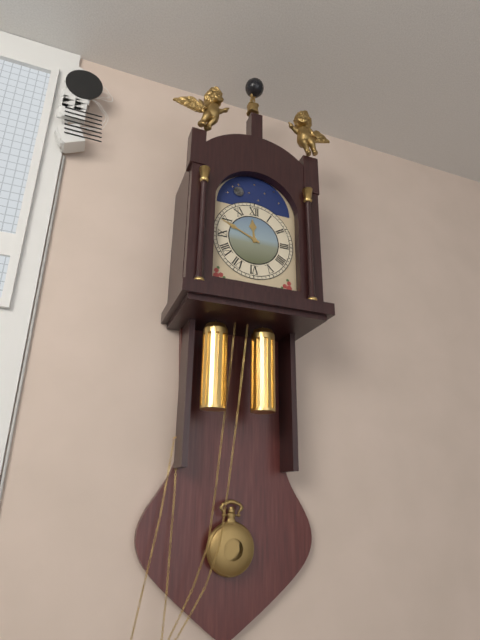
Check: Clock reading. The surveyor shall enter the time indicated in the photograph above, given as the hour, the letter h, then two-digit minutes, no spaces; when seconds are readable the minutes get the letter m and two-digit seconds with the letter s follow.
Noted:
11h49
